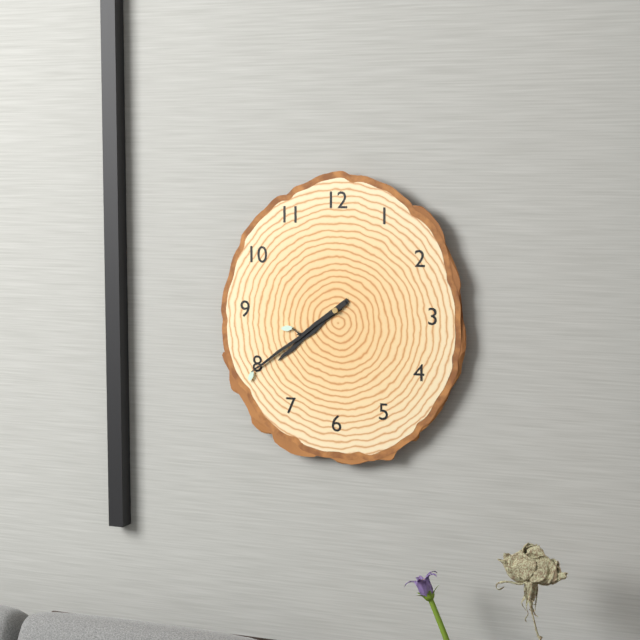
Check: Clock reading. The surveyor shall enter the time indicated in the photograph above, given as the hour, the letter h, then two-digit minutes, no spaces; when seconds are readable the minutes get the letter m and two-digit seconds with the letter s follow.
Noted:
7h39
